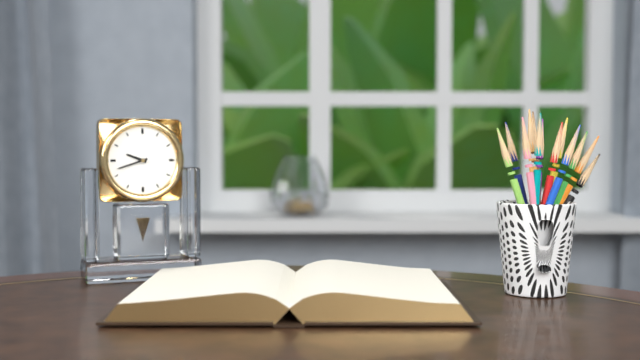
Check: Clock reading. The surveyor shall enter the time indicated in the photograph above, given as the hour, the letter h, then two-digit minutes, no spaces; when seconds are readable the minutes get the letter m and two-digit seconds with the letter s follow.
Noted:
9h42
